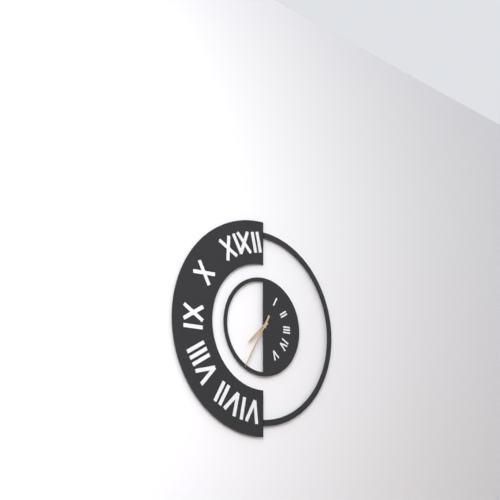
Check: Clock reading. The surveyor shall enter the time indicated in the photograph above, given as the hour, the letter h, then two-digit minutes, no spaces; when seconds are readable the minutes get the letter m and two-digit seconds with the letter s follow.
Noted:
7h35
